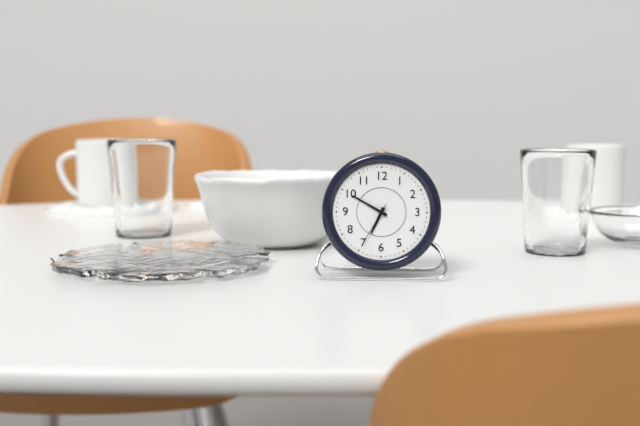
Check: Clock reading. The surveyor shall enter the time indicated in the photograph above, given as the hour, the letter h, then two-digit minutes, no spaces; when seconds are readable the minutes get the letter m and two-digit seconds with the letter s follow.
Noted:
6h50
